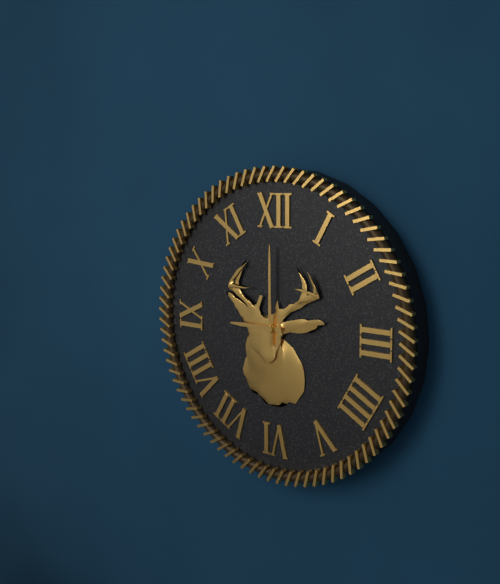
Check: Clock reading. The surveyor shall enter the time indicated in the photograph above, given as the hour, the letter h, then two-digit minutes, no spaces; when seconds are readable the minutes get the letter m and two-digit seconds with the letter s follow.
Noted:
9h00
